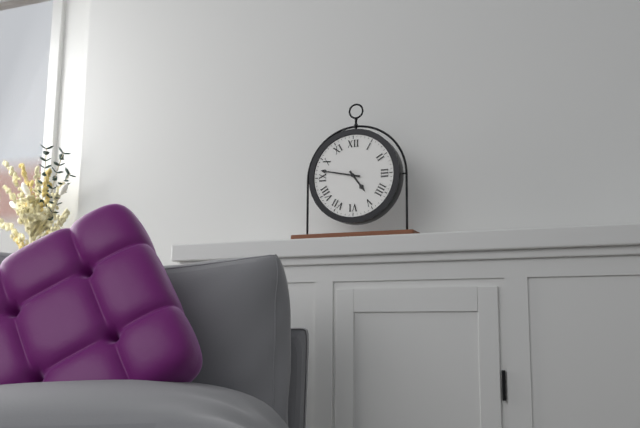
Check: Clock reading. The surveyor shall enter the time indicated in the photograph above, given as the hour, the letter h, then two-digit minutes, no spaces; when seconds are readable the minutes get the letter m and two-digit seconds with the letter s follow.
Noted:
4h47
